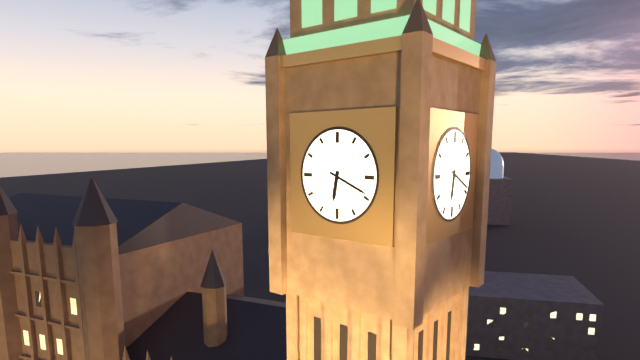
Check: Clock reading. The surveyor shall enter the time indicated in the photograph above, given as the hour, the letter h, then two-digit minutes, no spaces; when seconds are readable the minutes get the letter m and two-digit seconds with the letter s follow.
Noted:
6h19
